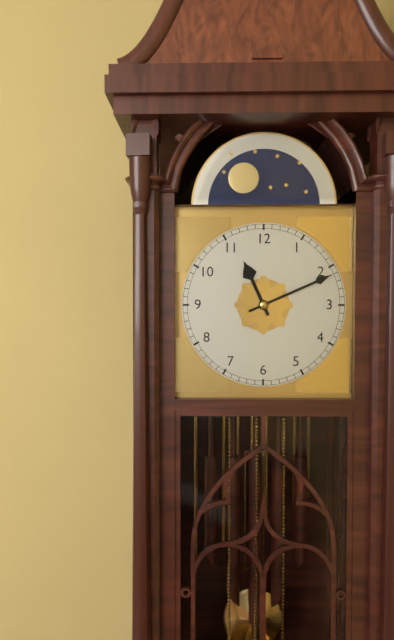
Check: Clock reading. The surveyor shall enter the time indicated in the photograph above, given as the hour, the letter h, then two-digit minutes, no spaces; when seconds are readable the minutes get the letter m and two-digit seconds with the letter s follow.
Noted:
11h11
